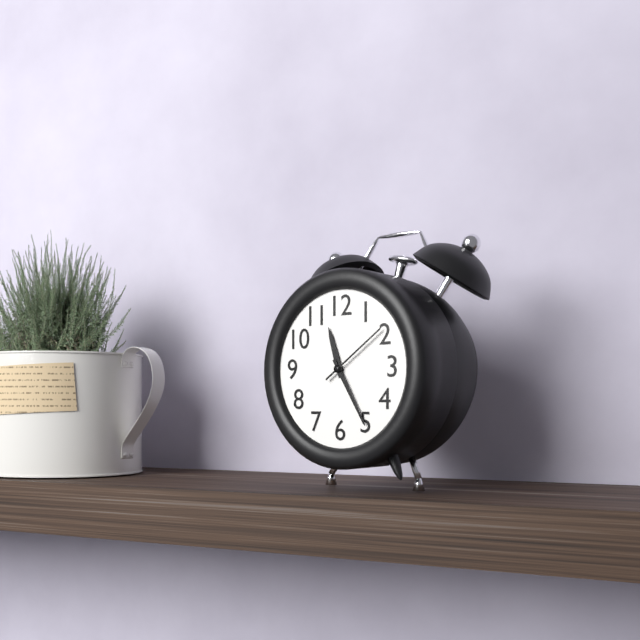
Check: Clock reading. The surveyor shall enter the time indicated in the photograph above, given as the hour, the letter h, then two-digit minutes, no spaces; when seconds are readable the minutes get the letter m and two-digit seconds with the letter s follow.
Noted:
11h25m09s
